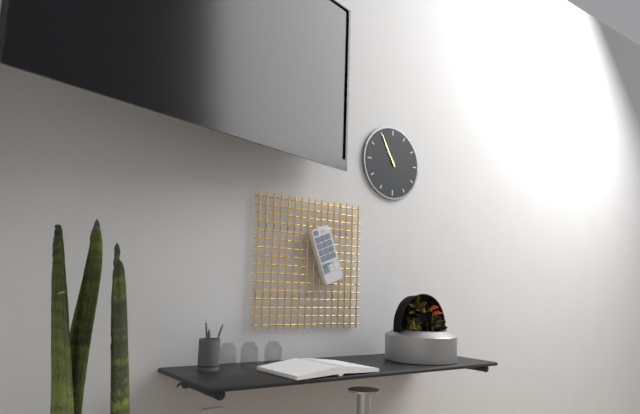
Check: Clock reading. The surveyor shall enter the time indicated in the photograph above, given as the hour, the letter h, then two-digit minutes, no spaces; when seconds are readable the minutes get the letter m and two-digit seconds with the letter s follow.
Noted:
10h55
